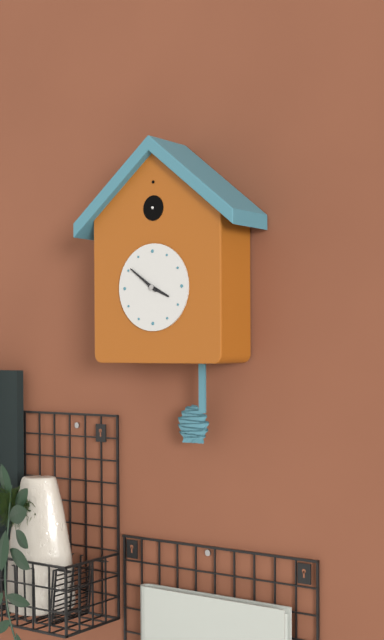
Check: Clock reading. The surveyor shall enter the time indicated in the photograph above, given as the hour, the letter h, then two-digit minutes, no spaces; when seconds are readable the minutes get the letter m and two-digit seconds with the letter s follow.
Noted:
3h51
